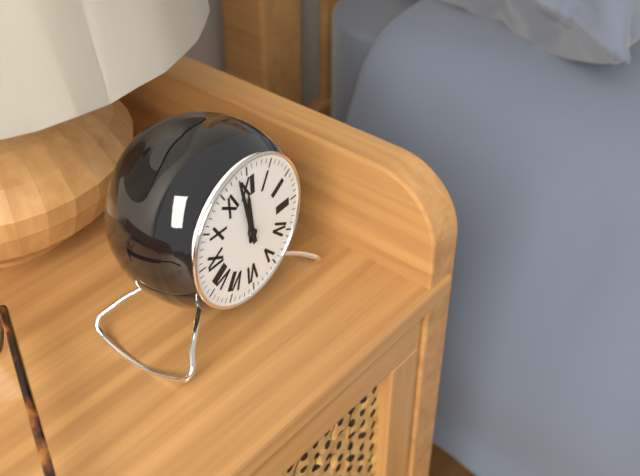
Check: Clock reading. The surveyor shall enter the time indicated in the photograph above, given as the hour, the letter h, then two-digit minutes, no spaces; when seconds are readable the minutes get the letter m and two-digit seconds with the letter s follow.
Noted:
11h58
